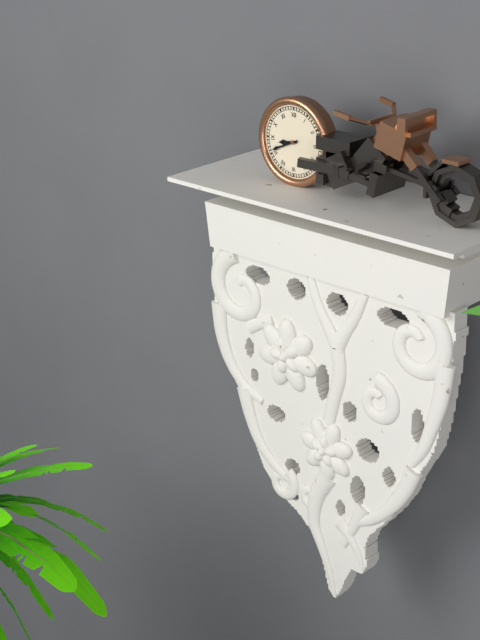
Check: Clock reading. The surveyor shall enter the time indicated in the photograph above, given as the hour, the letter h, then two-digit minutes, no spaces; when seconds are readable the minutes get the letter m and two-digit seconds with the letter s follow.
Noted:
8h41
